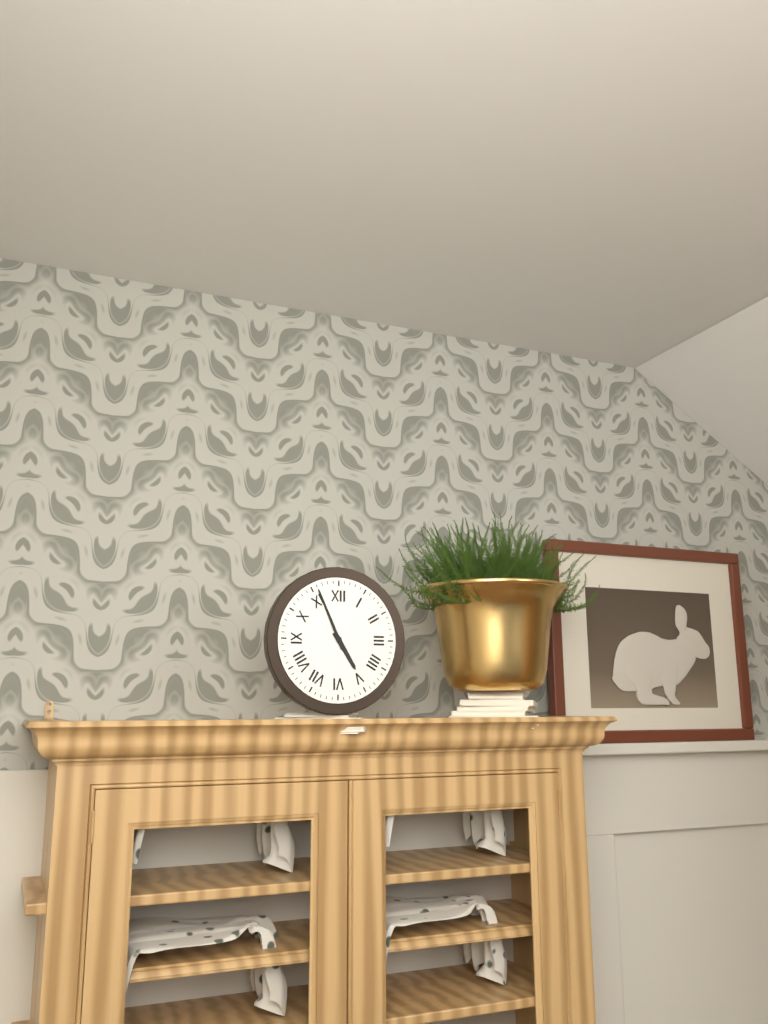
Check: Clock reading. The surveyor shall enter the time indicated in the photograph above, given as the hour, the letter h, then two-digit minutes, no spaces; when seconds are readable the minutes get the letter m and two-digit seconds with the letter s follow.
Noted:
4h56
